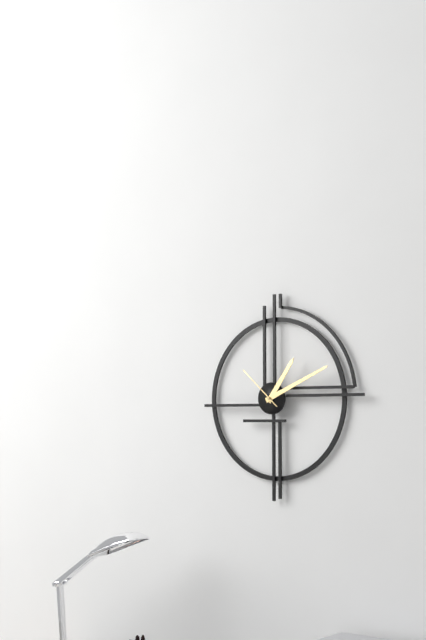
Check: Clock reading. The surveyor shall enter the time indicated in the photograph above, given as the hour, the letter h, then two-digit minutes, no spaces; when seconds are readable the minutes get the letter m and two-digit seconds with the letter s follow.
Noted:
1h11
